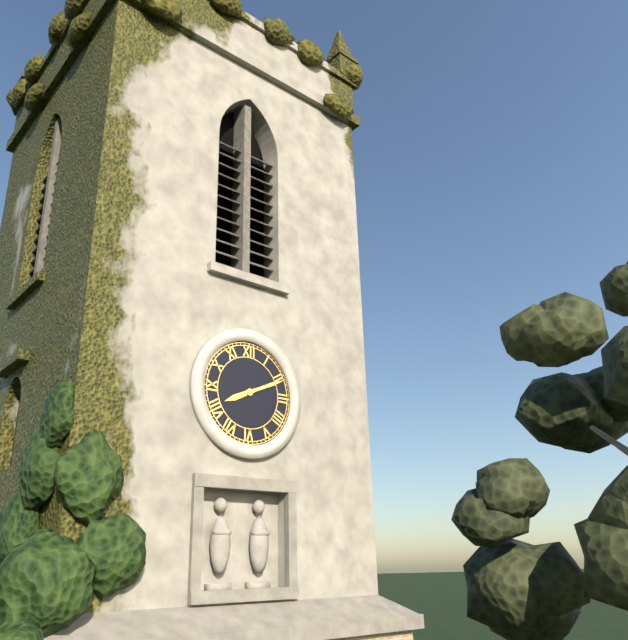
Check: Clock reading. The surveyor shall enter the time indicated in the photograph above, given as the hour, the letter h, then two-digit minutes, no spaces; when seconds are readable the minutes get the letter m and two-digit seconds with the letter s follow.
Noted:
8h11
